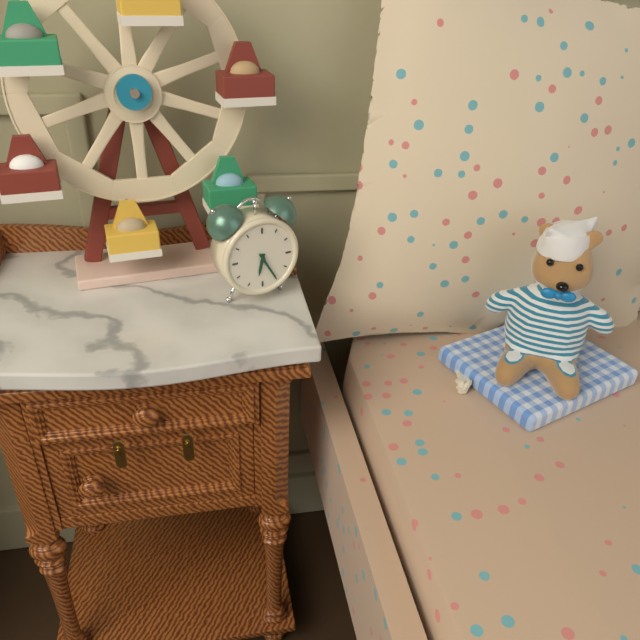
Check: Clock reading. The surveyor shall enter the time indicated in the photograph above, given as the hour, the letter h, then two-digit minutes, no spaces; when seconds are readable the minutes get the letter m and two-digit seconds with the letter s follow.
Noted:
6h25
